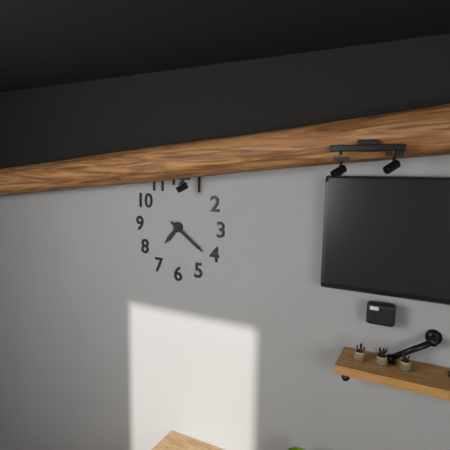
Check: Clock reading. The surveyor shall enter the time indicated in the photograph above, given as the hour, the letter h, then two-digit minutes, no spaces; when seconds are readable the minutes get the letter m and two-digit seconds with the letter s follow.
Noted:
7h21
